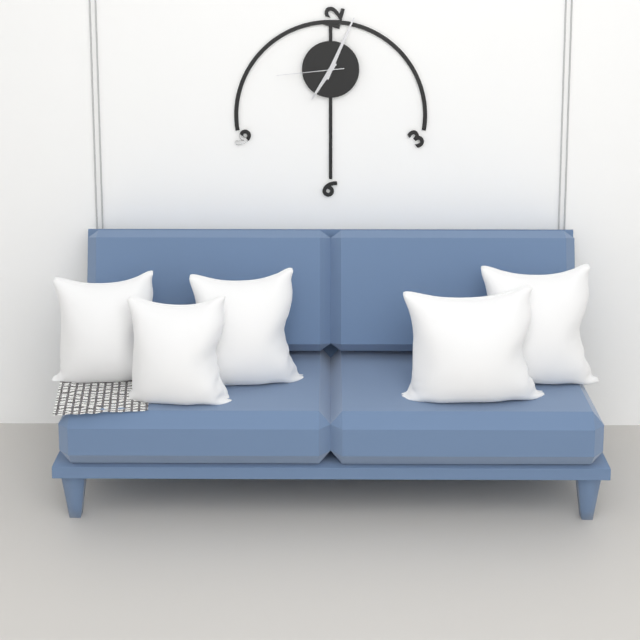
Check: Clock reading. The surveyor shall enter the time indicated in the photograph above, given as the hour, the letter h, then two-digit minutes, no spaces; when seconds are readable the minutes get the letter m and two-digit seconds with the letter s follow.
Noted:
7h04m44s
